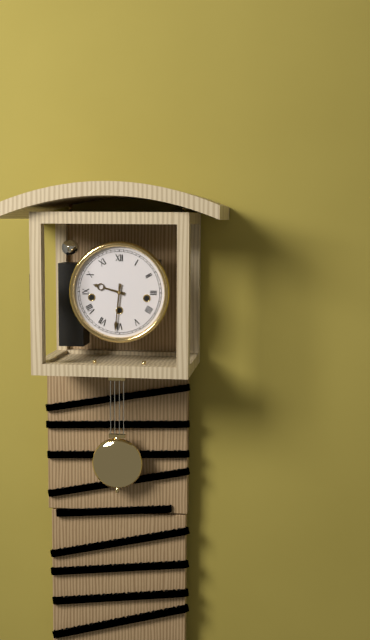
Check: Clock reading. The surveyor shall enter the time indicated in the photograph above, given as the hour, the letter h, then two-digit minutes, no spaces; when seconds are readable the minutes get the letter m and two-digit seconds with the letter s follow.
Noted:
9h31
